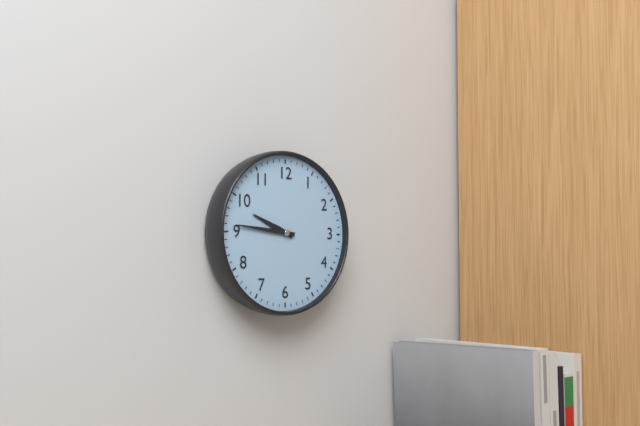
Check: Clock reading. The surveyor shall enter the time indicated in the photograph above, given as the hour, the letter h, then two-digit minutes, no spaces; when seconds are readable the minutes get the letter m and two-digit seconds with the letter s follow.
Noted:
9h46
